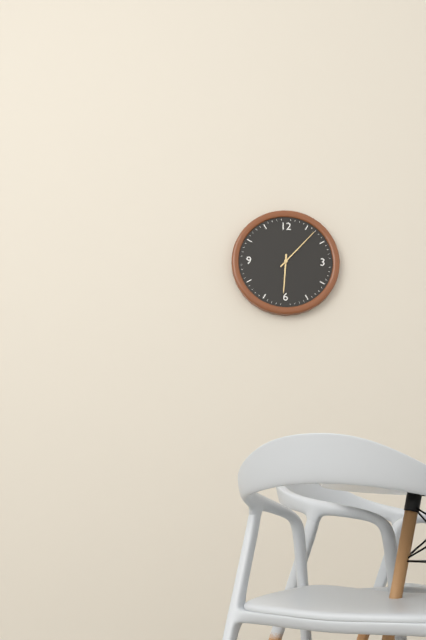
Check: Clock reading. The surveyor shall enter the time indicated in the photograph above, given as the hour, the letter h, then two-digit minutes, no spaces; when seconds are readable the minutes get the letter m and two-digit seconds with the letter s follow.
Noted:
6h07
